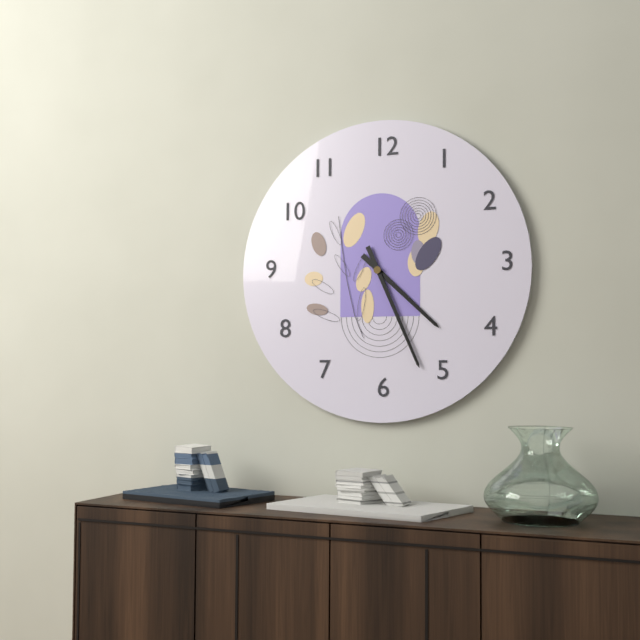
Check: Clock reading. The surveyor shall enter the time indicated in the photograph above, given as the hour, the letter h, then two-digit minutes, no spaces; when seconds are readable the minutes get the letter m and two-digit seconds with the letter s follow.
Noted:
4h26
